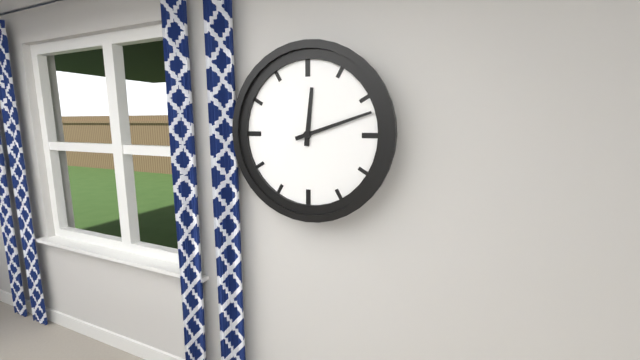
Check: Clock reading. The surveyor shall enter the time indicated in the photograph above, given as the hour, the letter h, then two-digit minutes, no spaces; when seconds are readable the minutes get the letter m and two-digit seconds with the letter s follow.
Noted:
12h12
